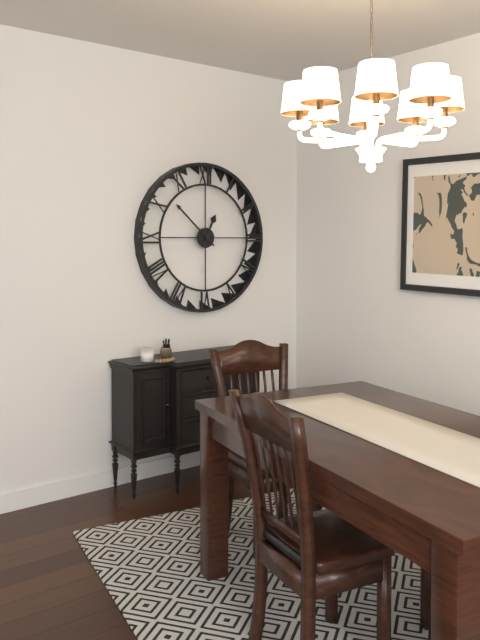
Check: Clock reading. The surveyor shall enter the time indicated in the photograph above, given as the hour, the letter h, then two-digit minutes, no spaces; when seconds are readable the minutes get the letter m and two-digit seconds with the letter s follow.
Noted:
12h52
